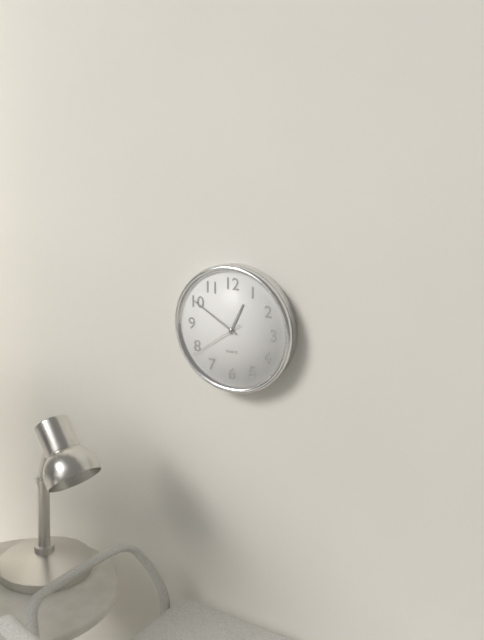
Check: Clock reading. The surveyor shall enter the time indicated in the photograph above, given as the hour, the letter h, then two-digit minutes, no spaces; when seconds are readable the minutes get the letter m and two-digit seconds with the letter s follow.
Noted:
12h50m39s
